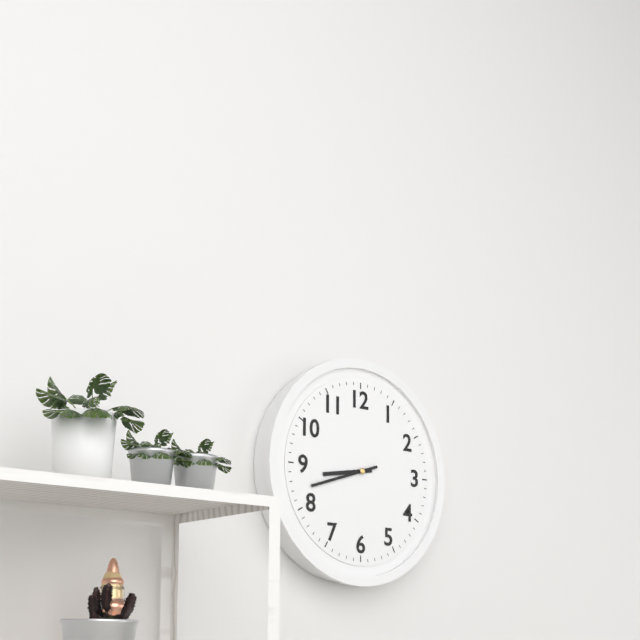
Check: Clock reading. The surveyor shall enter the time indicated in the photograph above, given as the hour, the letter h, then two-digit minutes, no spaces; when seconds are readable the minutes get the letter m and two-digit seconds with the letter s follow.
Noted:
8h42
